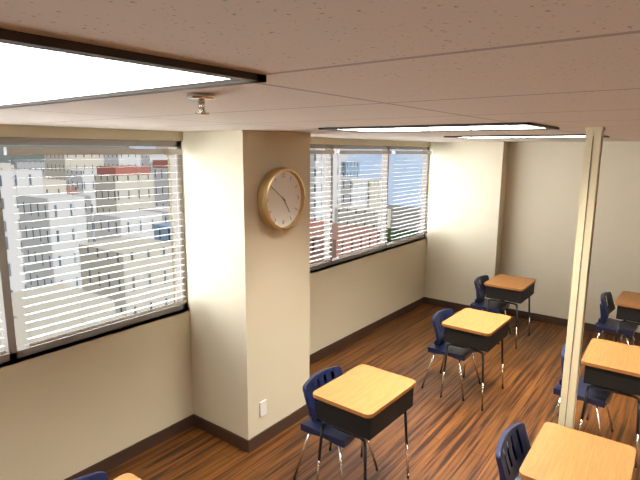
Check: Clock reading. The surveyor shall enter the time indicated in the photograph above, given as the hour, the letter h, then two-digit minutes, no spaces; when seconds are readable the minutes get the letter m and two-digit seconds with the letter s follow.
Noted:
4h51
